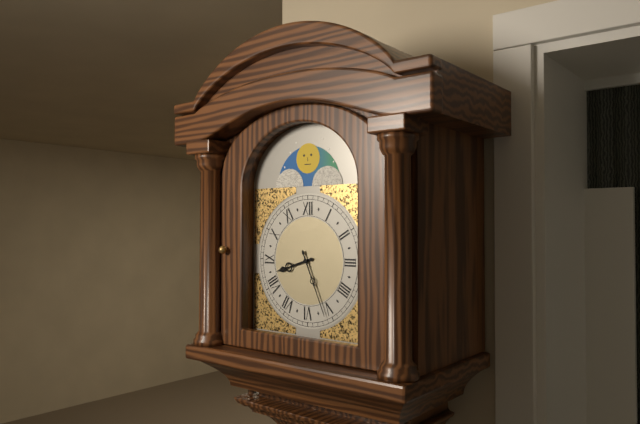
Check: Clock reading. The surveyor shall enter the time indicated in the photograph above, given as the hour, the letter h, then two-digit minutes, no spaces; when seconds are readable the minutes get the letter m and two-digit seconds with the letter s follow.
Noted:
8h26
